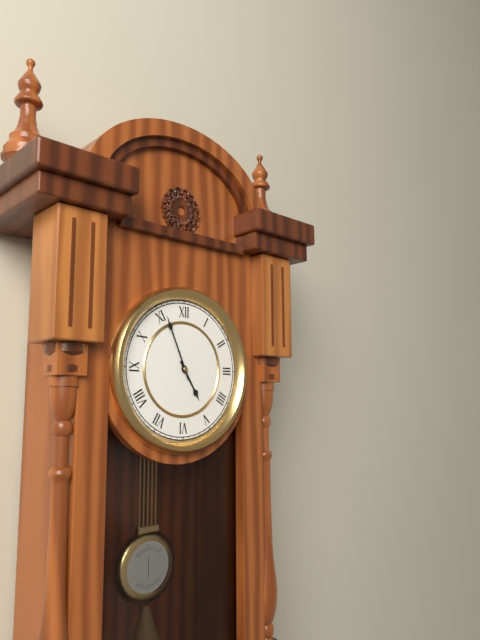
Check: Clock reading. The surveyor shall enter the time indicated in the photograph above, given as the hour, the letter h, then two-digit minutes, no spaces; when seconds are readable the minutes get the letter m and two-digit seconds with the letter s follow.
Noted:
4h56
